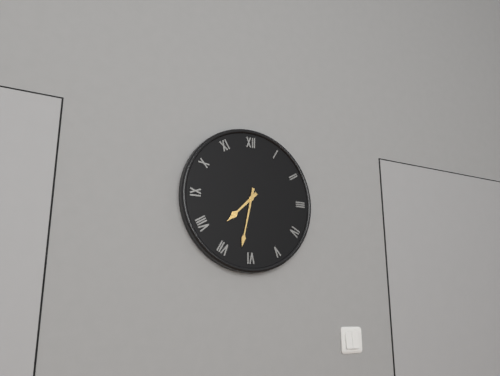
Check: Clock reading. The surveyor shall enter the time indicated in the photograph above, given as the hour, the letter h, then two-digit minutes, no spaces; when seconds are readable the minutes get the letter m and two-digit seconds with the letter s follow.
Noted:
7h32
